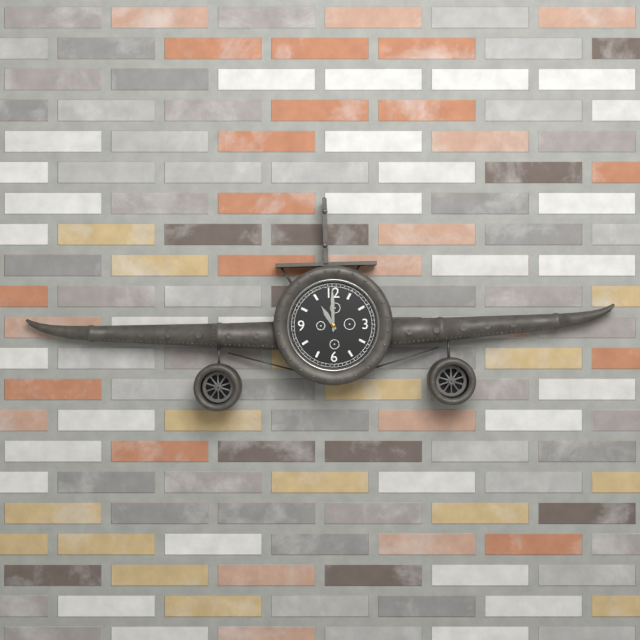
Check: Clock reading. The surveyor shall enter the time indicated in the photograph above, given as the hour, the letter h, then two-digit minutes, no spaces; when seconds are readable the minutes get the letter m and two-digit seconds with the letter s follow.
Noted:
11h00
